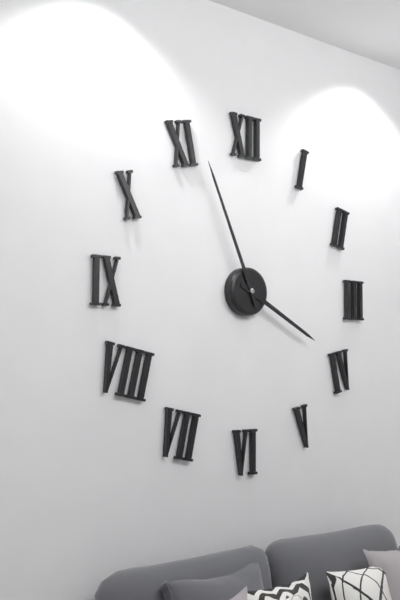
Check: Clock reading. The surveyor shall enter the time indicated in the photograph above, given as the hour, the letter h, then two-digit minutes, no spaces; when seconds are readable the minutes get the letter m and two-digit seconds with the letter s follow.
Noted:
3h56
